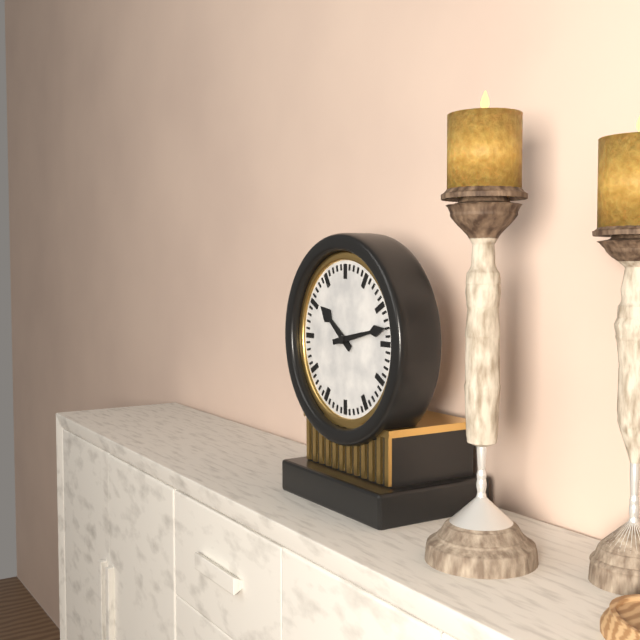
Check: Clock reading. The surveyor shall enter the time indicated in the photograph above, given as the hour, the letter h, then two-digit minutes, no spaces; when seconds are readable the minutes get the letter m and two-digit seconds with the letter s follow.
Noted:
10h13
